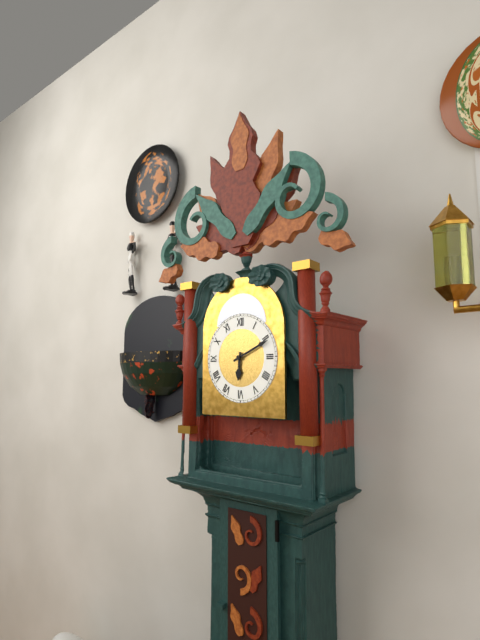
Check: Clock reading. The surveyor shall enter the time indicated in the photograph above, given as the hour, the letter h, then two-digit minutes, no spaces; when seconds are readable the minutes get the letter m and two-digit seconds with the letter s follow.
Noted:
6h11
